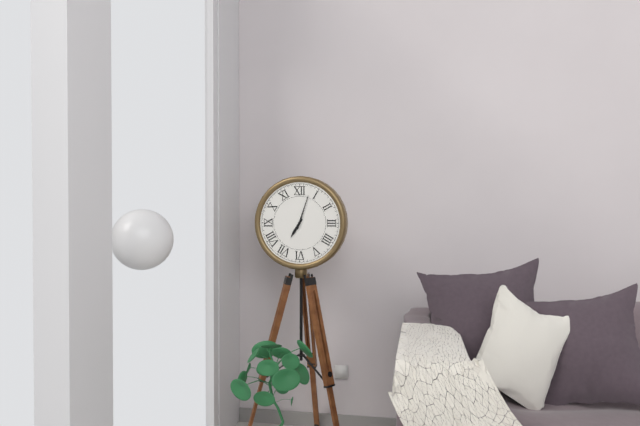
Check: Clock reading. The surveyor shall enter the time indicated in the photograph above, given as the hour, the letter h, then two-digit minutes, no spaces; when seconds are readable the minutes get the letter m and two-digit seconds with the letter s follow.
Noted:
7h03
